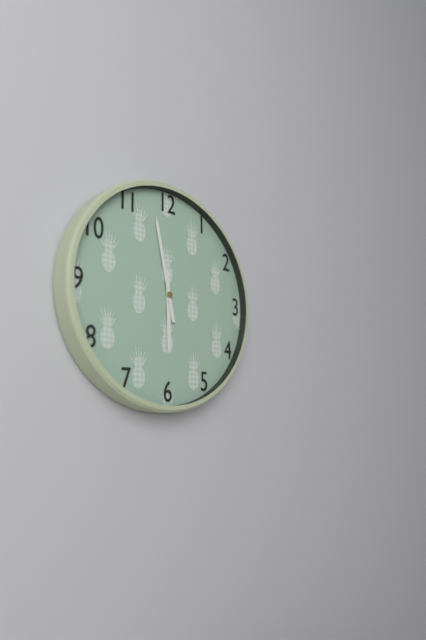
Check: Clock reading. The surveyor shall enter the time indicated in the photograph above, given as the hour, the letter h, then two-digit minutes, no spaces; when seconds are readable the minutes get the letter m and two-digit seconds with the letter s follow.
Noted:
5h58
